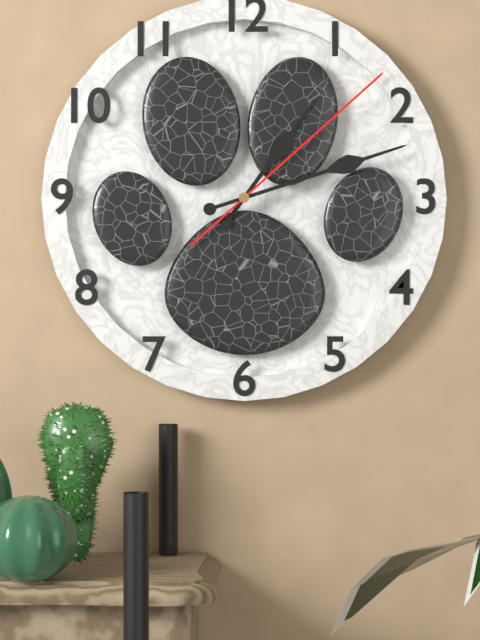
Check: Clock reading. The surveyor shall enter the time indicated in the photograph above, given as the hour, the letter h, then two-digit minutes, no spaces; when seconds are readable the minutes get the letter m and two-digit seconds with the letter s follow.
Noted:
1h12m08s
